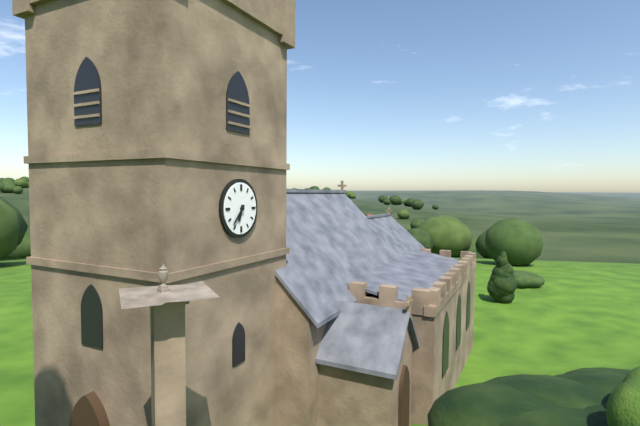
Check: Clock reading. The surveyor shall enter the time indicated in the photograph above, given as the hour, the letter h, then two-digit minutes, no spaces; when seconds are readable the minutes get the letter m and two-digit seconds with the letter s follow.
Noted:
6h37
